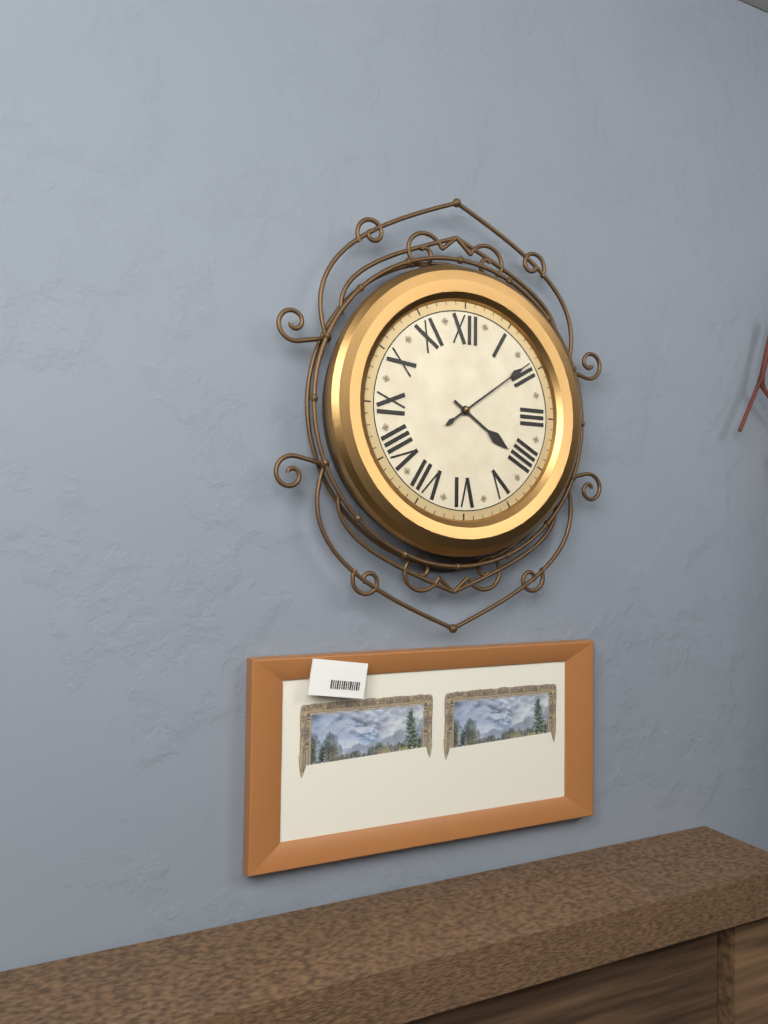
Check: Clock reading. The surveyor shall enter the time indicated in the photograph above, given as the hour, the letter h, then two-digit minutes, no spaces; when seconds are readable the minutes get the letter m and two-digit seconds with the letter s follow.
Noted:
4h09
